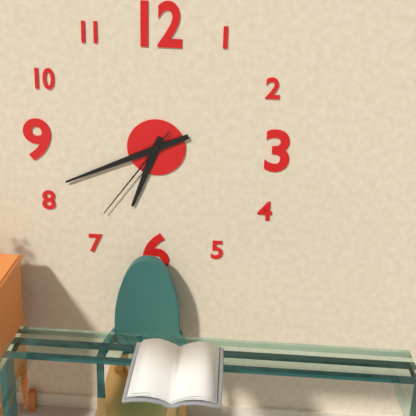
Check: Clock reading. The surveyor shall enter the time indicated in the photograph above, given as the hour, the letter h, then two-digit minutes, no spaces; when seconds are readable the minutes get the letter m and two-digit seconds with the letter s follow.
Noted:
6h41m36s
